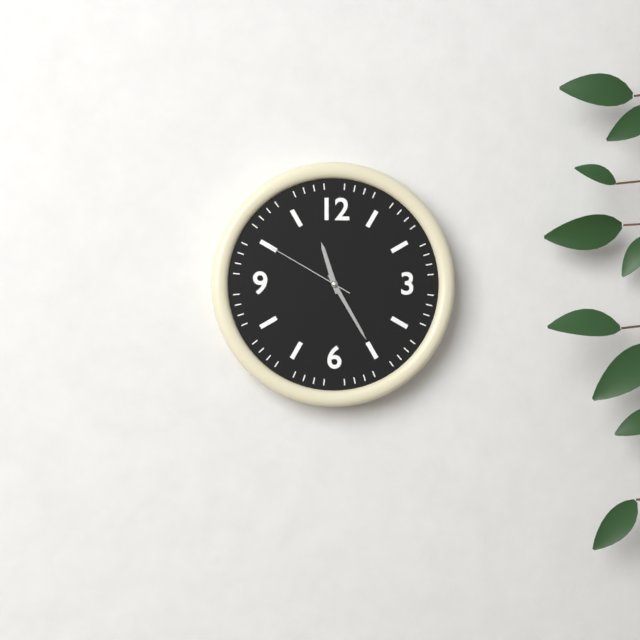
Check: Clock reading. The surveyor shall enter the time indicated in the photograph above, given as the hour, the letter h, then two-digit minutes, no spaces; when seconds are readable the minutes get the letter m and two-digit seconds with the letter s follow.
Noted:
11h25m50s
